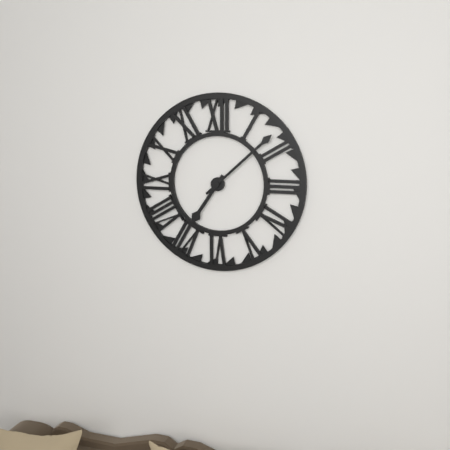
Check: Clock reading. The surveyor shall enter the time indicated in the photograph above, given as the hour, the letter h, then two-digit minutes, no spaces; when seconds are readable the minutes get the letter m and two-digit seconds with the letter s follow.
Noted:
7h08
